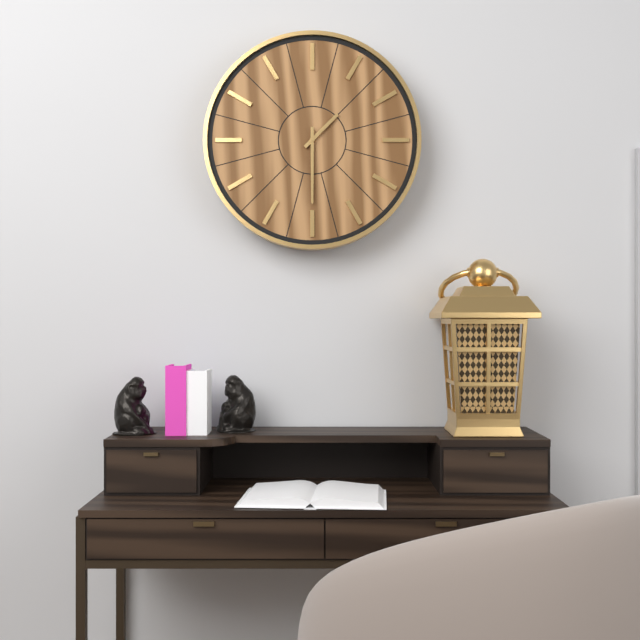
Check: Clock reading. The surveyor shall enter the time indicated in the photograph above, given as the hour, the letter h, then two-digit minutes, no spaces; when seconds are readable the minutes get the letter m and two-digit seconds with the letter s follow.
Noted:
1h30
